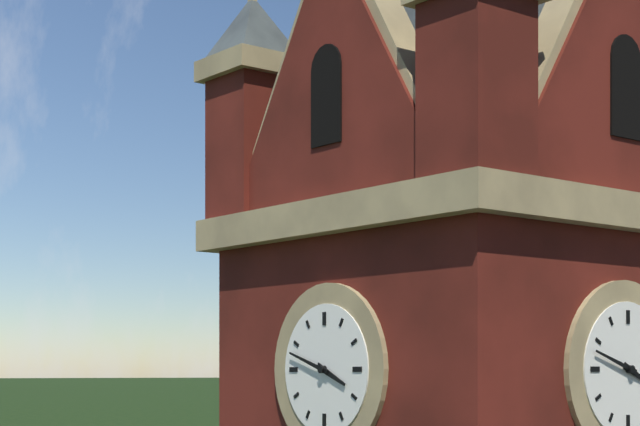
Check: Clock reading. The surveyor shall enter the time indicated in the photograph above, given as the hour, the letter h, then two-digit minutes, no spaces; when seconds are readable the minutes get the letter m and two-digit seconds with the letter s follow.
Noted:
3h48
